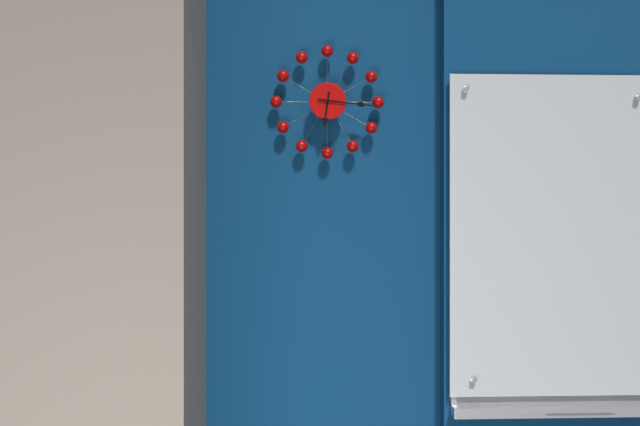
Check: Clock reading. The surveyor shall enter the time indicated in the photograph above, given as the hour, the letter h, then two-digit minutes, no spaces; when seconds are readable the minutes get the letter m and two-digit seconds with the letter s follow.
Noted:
6h16
